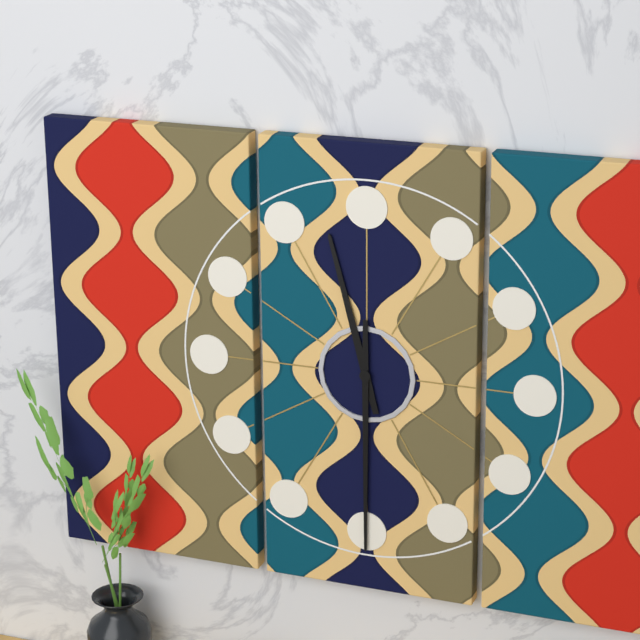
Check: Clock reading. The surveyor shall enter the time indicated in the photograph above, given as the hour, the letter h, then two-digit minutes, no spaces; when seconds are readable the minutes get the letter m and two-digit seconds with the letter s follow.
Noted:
11h30
